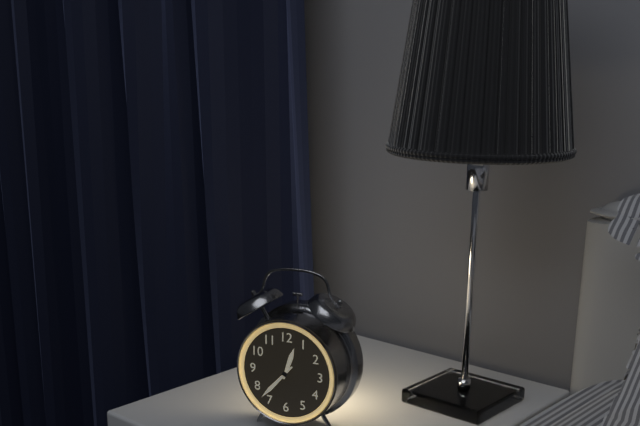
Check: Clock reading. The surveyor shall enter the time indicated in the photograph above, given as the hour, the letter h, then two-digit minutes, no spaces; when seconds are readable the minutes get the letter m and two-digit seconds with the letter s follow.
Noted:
12h37
